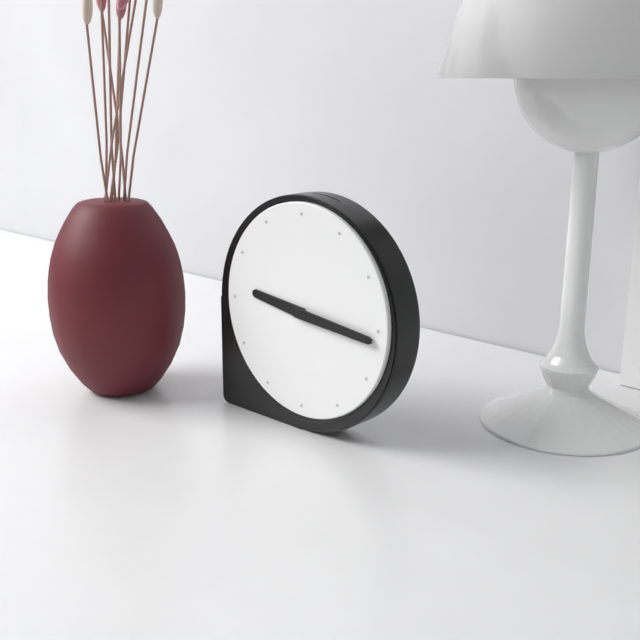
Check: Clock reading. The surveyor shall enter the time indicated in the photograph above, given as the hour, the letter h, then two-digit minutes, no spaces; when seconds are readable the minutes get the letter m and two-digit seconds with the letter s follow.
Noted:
9h16
